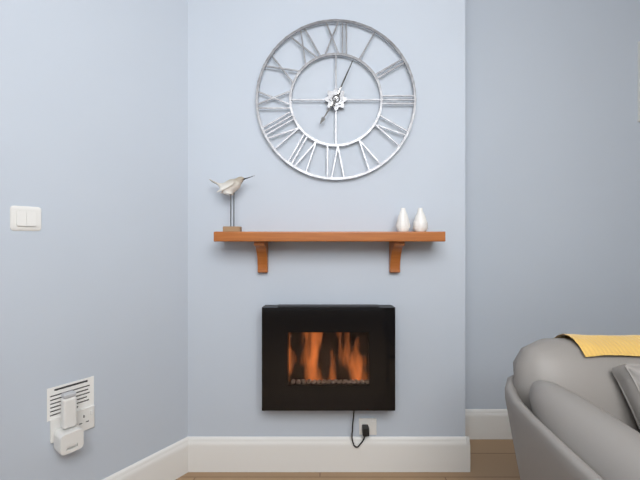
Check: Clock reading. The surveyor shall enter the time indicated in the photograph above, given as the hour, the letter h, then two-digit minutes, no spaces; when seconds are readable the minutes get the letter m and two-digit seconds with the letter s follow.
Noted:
7h04
